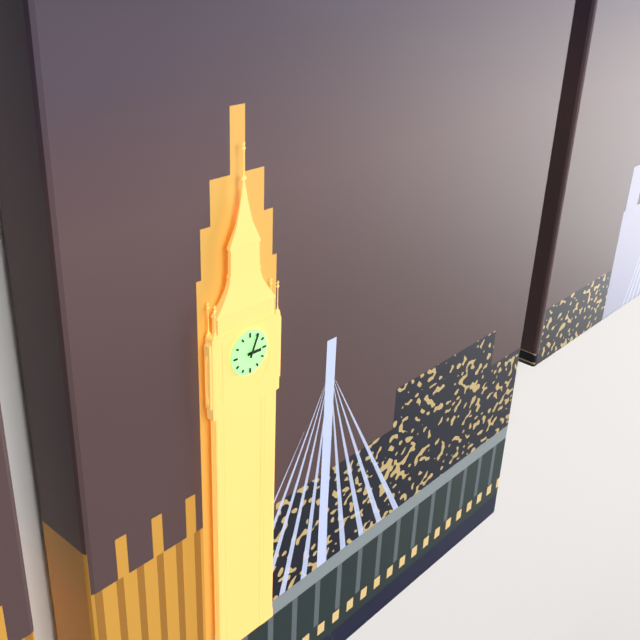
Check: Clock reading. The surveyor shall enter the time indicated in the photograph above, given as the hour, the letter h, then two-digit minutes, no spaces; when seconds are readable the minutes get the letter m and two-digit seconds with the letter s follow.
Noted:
3h04
